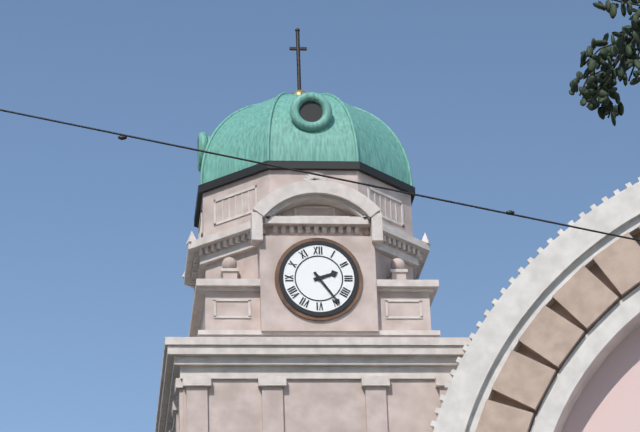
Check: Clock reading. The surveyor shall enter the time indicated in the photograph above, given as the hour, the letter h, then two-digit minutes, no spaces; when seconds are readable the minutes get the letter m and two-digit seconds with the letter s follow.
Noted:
2h24
